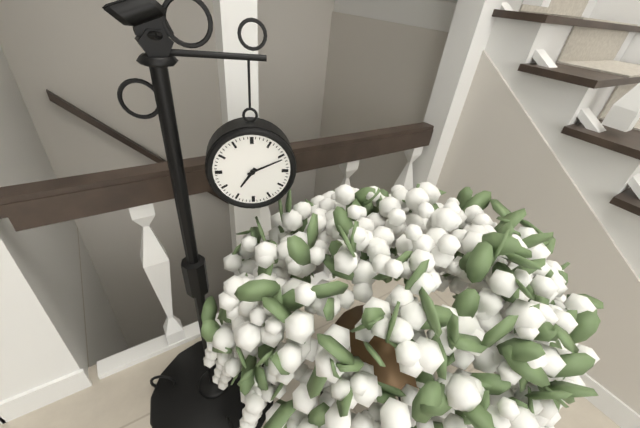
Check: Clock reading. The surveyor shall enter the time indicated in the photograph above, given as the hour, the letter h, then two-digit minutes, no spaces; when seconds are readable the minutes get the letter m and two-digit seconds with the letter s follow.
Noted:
7h11
